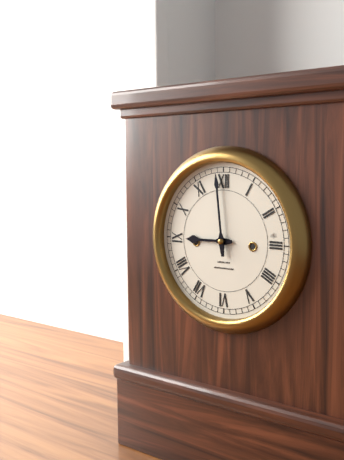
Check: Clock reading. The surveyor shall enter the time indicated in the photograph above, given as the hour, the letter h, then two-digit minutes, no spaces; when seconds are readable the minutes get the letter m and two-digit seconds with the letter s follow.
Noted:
8h59
